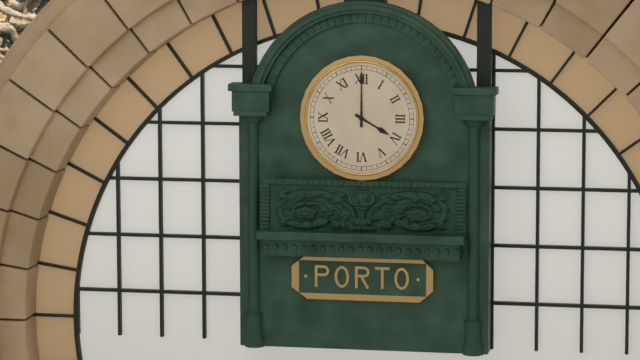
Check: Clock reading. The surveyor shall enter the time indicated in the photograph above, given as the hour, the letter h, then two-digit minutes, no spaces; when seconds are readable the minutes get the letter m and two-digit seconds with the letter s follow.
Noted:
4h00
